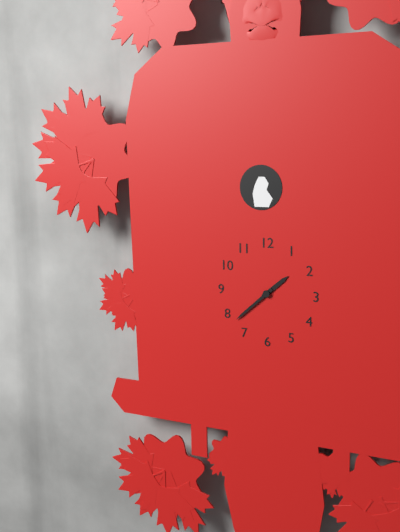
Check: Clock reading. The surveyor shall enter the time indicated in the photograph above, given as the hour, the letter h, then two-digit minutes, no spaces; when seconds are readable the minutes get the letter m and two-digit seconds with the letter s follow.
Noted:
1h38
